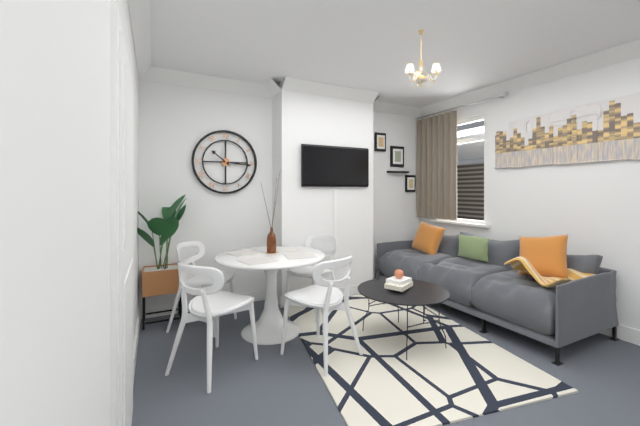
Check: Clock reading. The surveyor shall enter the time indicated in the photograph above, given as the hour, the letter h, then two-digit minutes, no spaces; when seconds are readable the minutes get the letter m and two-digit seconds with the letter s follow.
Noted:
10h16
